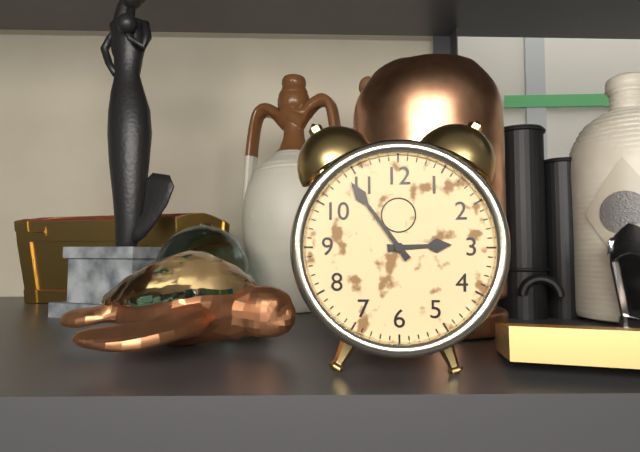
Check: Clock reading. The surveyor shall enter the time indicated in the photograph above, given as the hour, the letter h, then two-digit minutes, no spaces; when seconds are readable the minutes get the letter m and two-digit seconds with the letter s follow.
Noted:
2h54
